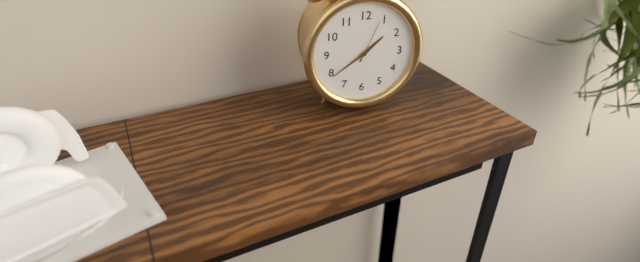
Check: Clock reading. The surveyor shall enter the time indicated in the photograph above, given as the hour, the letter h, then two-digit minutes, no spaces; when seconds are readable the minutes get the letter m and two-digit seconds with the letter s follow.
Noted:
1h39
